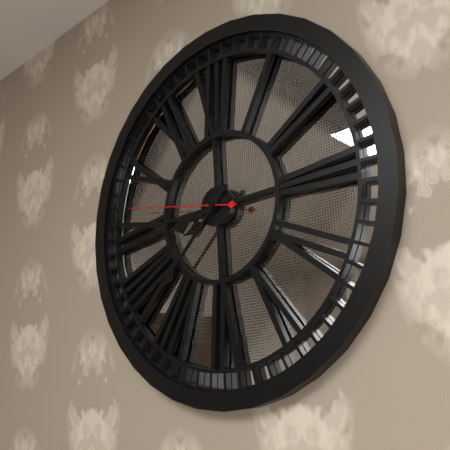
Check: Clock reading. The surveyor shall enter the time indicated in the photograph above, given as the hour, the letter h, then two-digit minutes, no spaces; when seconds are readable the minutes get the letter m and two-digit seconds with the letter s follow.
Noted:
8h38m47s
